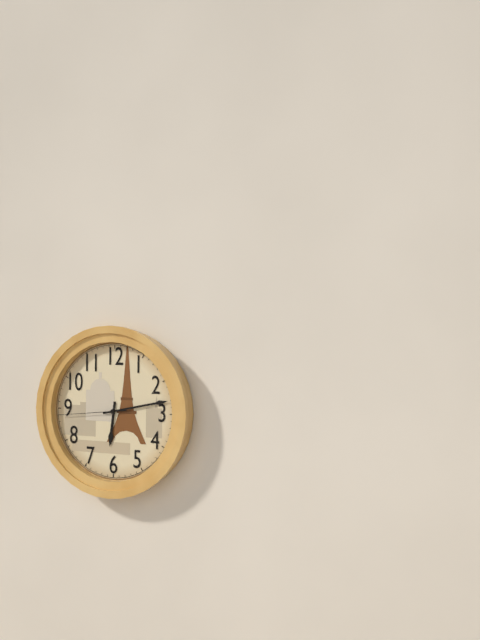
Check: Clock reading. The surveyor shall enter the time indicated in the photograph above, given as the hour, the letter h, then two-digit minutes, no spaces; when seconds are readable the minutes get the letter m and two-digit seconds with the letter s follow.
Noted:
6h13m44s
